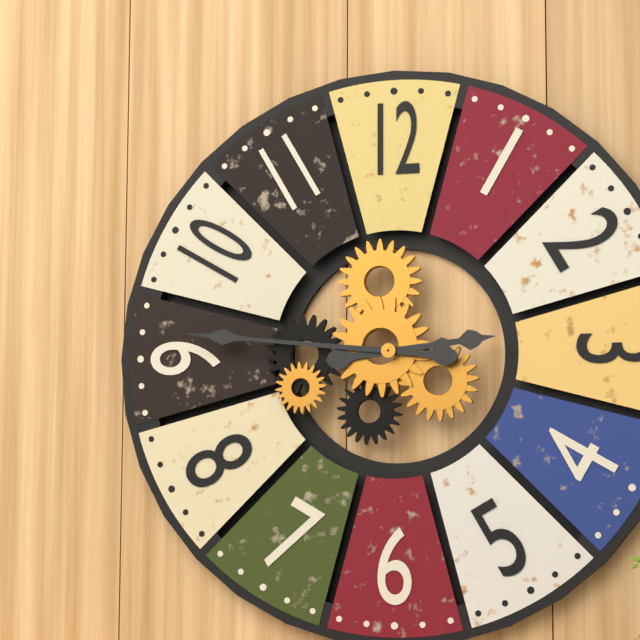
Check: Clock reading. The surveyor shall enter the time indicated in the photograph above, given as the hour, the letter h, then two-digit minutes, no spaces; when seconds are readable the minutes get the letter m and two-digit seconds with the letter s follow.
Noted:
2h46
